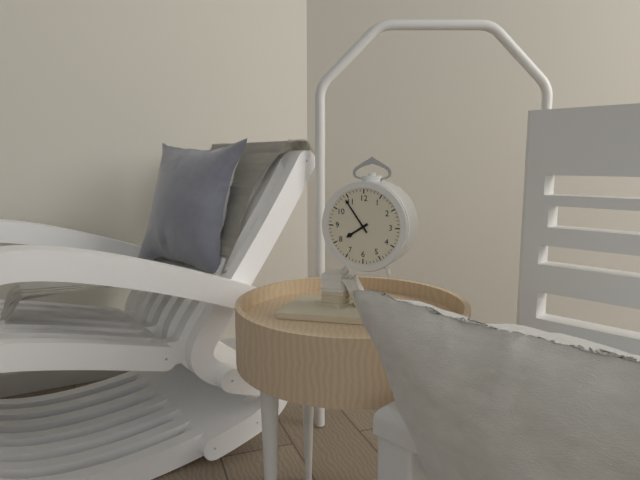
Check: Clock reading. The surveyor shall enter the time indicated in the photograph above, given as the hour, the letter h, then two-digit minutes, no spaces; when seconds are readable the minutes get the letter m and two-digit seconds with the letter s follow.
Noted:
7h54
